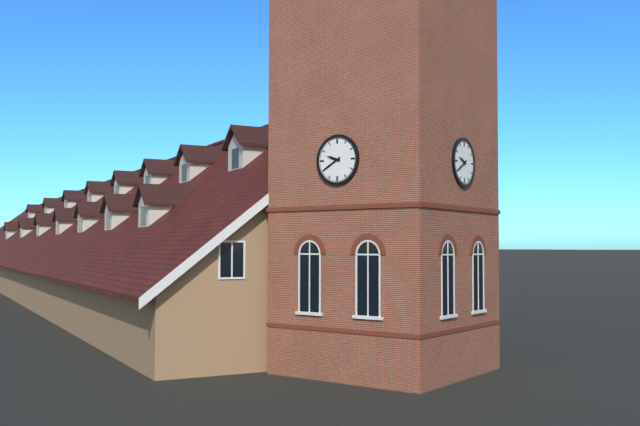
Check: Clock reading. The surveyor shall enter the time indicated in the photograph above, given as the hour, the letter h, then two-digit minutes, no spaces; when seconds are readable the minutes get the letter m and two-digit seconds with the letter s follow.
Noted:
9h40
